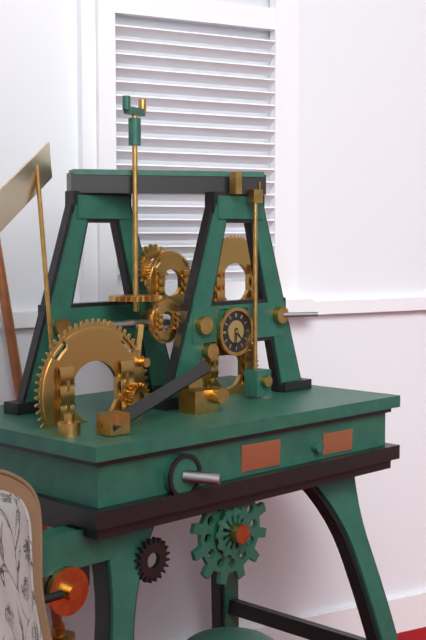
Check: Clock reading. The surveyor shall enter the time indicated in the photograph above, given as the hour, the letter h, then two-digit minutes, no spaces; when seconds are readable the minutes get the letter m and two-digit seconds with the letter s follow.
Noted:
4h31
